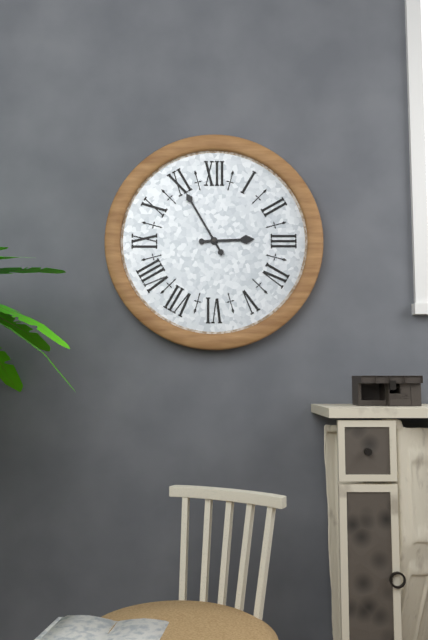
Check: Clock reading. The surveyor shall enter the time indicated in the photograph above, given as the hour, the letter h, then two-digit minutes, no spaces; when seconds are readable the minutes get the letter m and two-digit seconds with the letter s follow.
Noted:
2h55
